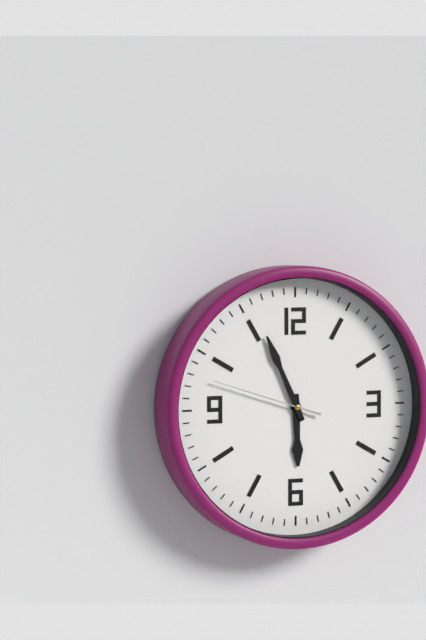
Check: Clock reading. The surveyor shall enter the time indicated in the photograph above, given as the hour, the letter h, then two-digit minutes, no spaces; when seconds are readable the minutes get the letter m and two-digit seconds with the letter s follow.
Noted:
5h56m48s
